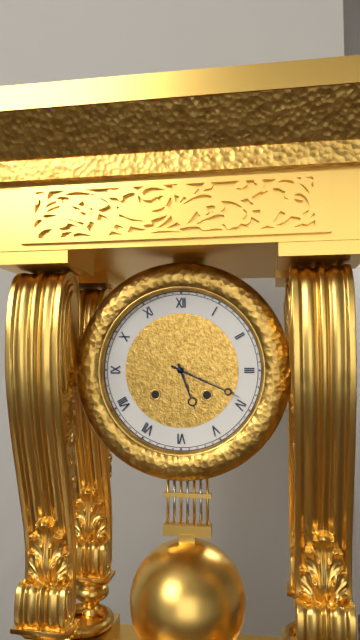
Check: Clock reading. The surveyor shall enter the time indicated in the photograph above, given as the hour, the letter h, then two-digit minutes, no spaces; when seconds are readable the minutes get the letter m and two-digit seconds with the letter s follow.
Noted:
5h19
